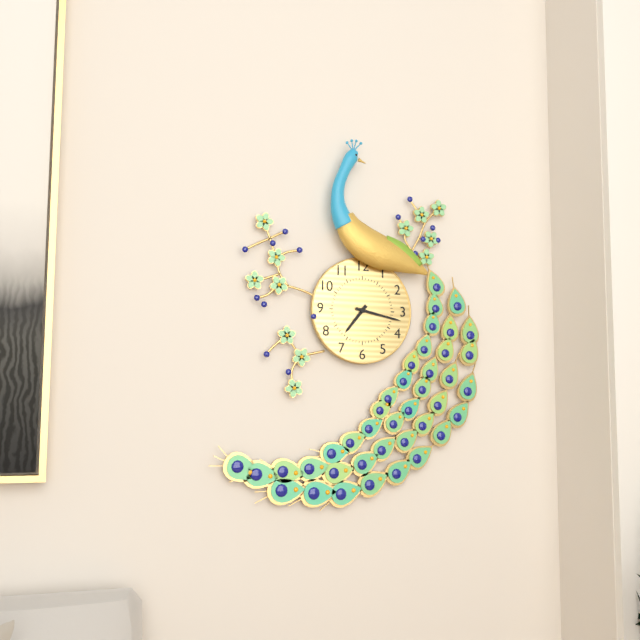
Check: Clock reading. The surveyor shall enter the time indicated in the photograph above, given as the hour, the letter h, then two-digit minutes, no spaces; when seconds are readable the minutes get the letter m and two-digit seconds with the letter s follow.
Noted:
7h17
